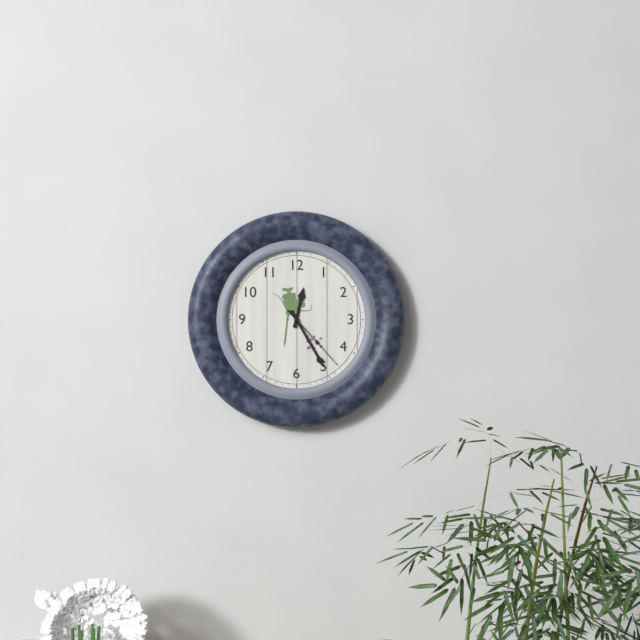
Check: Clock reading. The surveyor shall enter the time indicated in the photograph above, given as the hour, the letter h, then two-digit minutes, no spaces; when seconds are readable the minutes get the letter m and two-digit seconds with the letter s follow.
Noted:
12h25m23s
